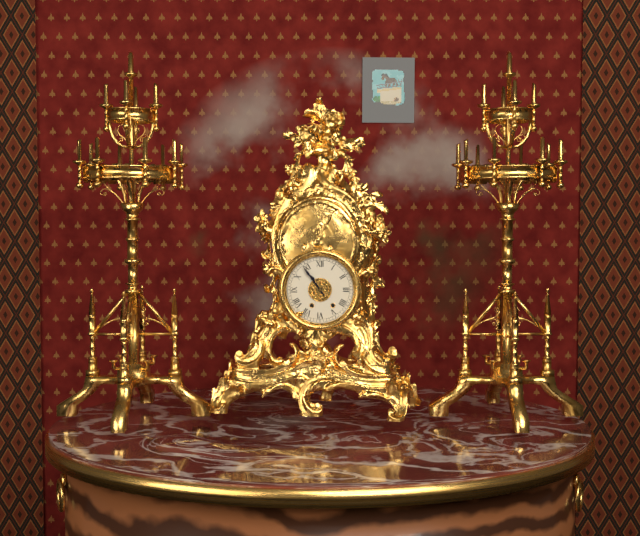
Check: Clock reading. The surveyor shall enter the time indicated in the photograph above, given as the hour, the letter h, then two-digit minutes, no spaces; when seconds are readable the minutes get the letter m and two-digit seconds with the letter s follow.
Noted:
10h54
